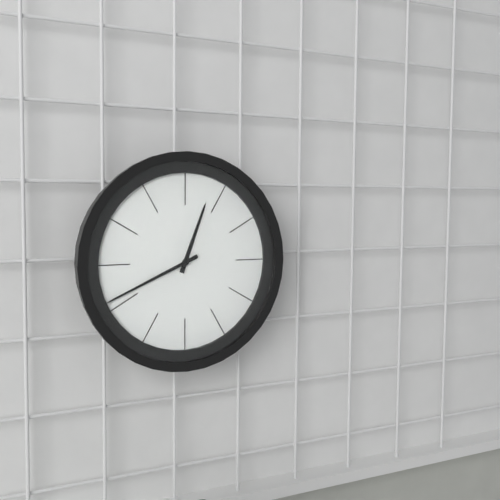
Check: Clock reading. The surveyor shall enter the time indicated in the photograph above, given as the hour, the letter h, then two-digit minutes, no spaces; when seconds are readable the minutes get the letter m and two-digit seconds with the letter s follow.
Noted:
12h41
